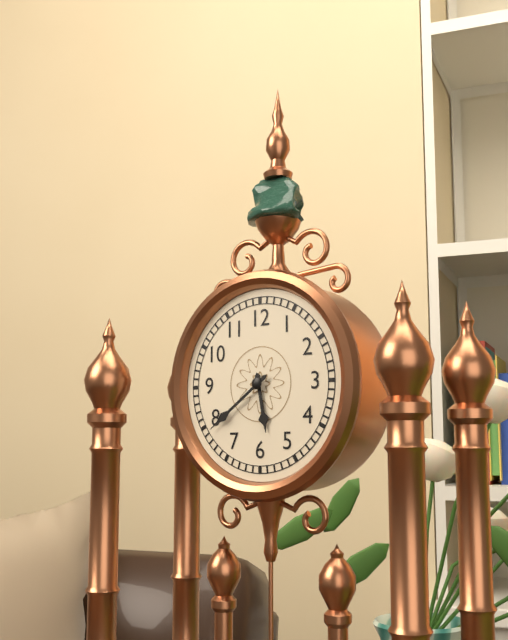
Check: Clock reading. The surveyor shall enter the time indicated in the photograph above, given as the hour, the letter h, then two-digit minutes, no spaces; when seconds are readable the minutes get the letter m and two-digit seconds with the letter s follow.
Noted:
5h39
